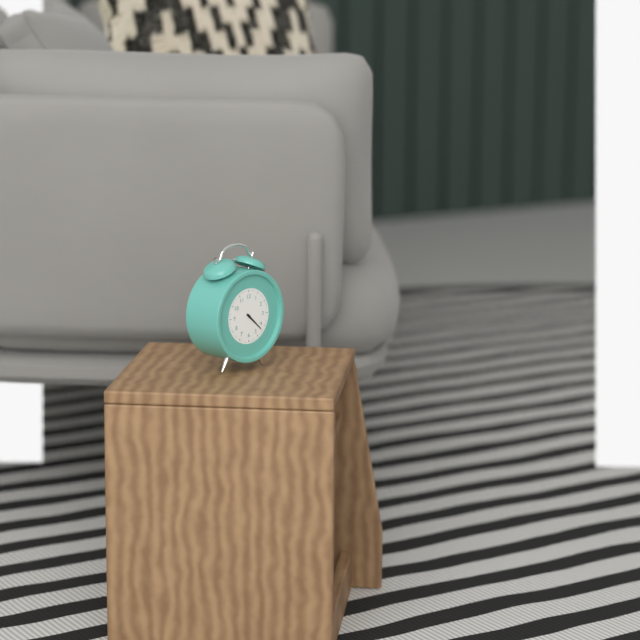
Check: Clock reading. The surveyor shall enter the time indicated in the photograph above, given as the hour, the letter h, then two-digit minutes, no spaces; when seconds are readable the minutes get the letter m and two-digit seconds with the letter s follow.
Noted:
4h22
